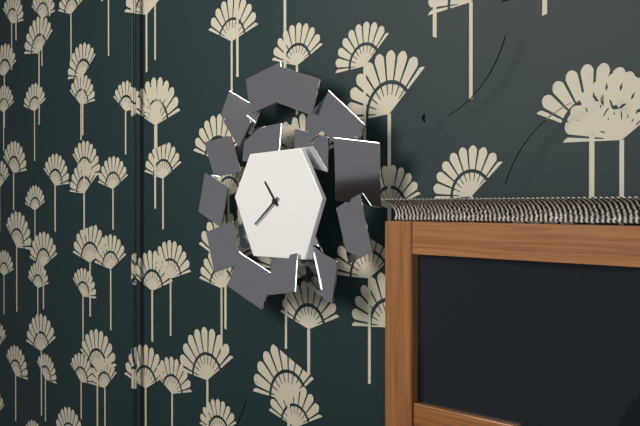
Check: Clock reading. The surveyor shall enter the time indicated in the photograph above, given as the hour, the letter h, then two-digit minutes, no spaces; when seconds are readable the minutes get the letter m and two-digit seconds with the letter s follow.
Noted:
10h39
